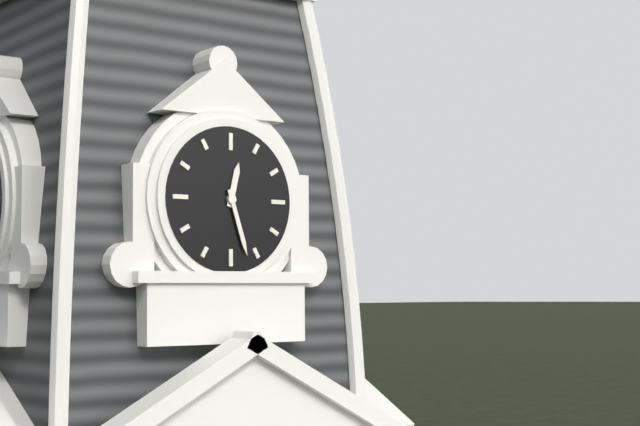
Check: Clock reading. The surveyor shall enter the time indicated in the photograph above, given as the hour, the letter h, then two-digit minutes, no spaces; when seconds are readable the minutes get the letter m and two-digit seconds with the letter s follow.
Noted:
12h27
